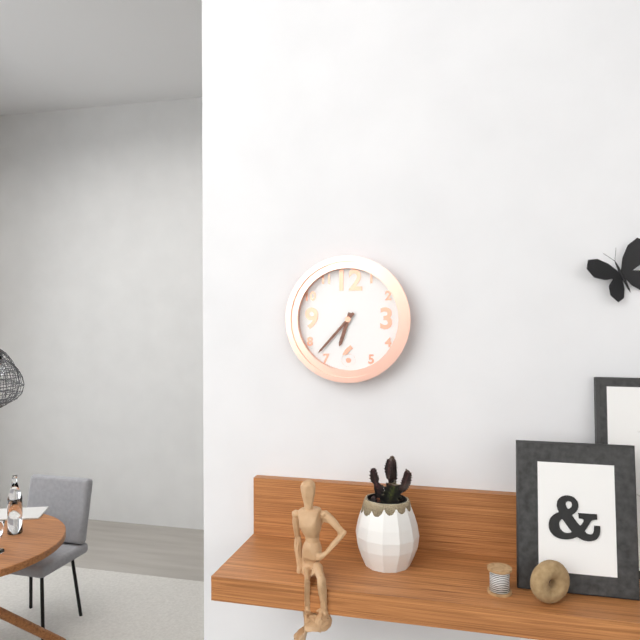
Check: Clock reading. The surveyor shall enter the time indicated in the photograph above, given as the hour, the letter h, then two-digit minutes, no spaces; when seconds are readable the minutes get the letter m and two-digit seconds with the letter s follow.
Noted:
6h37
